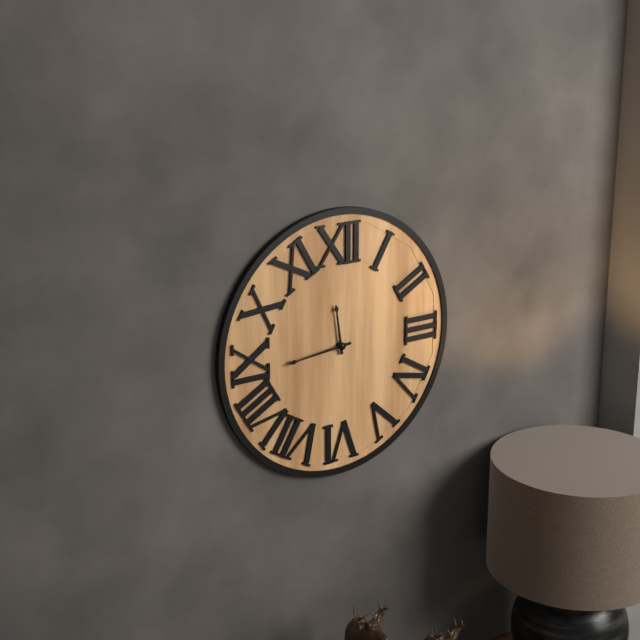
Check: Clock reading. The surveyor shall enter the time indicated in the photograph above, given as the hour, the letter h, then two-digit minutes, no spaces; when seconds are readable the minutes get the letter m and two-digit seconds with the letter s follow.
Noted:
11h44
